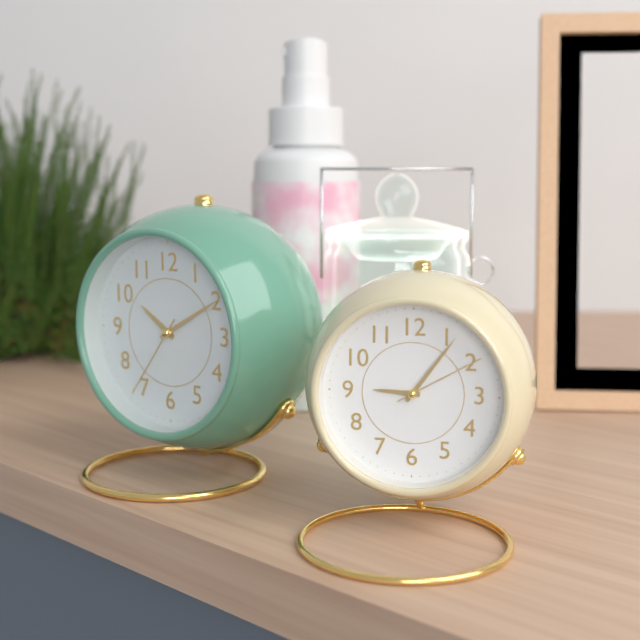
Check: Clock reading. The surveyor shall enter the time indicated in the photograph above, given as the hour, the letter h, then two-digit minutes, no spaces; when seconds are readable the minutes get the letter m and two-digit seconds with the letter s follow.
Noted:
9h06m10s
